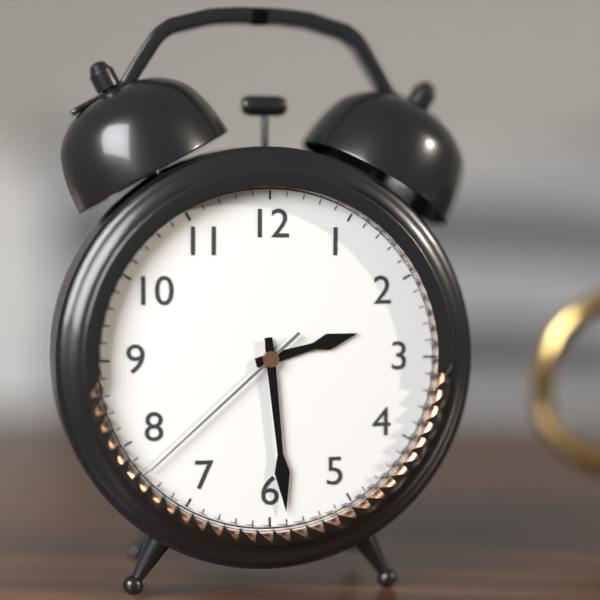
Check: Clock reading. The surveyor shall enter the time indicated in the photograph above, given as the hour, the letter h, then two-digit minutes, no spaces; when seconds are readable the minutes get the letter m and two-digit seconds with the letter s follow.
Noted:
2h29m38s
